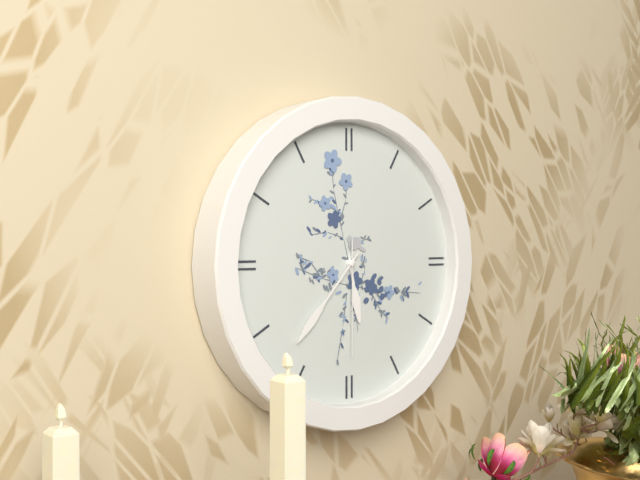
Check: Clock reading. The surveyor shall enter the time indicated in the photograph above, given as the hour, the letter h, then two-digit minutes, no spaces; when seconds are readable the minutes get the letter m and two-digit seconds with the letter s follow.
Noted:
5h37m30s
